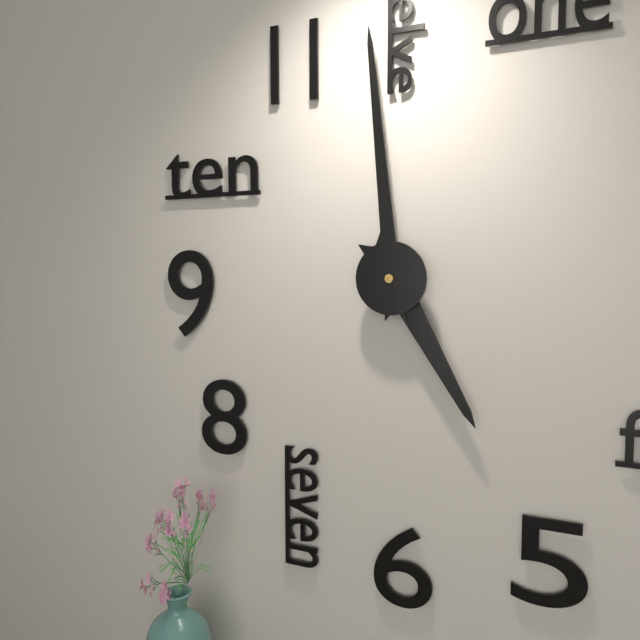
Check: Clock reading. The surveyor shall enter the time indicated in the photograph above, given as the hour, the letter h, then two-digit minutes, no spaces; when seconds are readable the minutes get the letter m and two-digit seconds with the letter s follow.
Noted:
4h59
